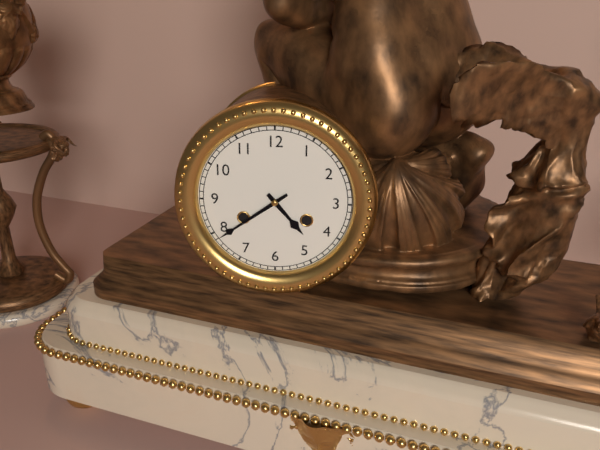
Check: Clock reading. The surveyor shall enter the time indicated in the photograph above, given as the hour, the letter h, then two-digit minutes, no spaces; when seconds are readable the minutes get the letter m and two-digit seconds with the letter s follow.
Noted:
4h39
